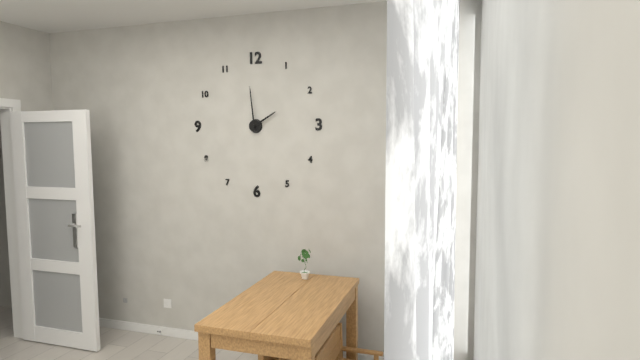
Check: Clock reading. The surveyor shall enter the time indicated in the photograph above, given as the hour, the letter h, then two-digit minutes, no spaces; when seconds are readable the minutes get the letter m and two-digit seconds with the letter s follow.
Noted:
1h59
